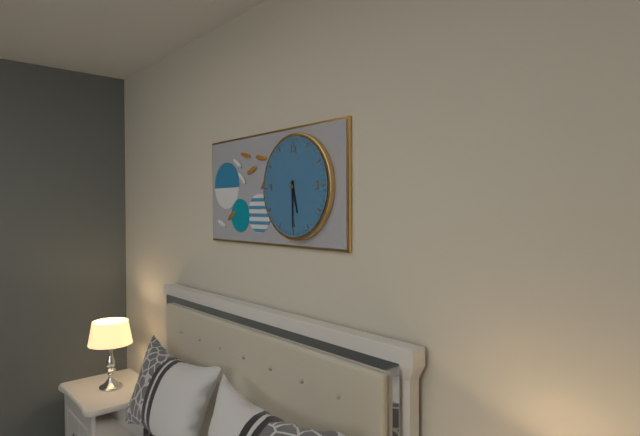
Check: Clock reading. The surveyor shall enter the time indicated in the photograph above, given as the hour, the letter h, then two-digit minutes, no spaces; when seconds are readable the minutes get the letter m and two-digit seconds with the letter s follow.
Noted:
5h30
